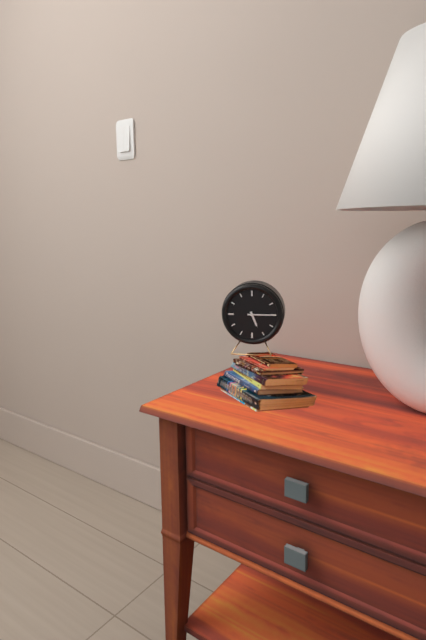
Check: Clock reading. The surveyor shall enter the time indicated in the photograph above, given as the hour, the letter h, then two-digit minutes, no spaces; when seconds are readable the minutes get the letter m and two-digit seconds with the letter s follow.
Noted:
5h15
